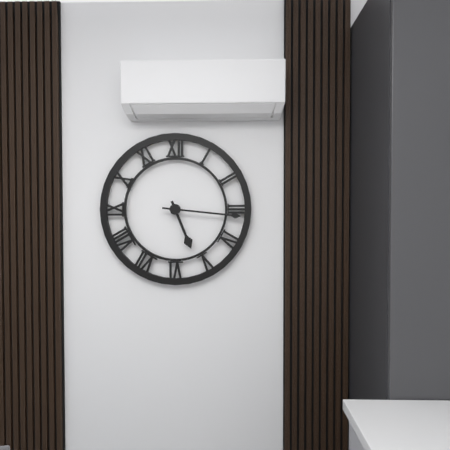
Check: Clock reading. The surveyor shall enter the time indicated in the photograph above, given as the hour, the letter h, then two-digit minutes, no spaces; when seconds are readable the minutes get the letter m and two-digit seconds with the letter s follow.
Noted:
5h16
